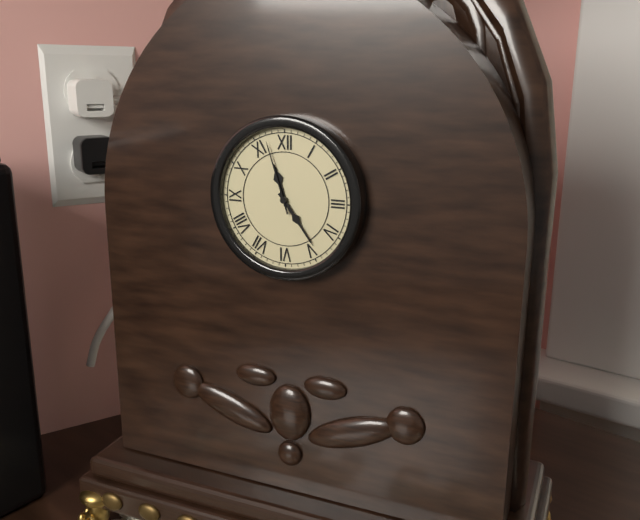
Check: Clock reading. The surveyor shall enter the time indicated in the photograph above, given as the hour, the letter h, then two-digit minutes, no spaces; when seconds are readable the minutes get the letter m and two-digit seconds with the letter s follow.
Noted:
11h24m57s
